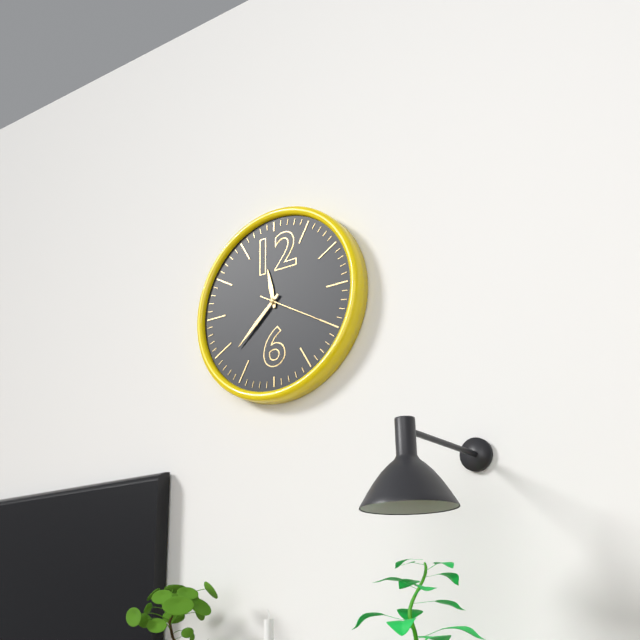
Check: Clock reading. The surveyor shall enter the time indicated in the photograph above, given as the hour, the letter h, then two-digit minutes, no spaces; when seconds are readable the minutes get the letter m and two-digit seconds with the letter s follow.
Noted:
11h38m20s
